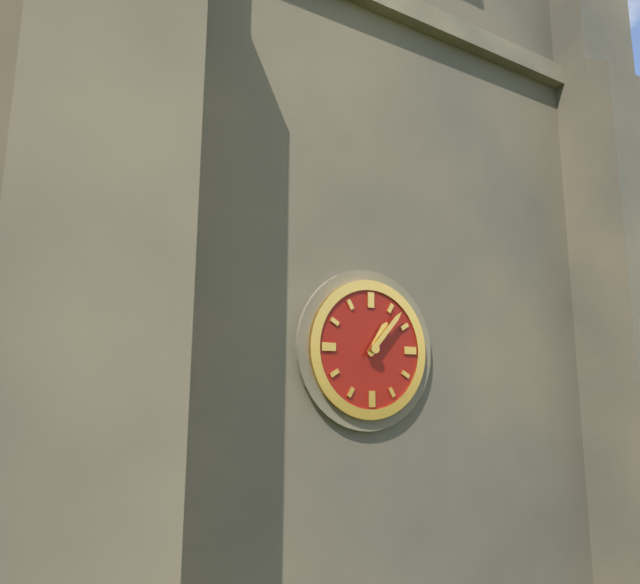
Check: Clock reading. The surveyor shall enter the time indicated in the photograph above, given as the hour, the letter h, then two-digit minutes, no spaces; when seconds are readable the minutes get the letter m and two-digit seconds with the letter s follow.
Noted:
1h07
